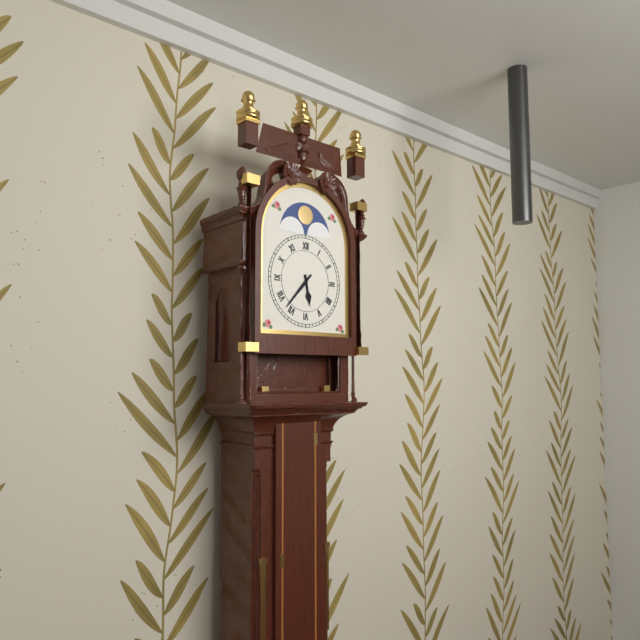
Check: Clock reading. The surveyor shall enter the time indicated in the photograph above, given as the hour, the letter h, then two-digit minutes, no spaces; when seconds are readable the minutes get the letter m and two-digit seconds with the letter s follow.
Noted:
5h37
